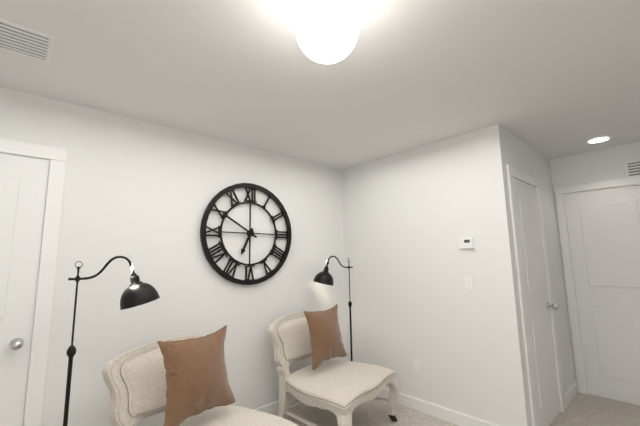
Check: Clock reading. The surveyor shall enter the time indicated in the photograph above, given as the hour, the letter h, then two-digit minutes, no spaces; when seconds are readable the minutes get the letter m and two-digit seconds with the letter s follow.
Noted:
6h50
